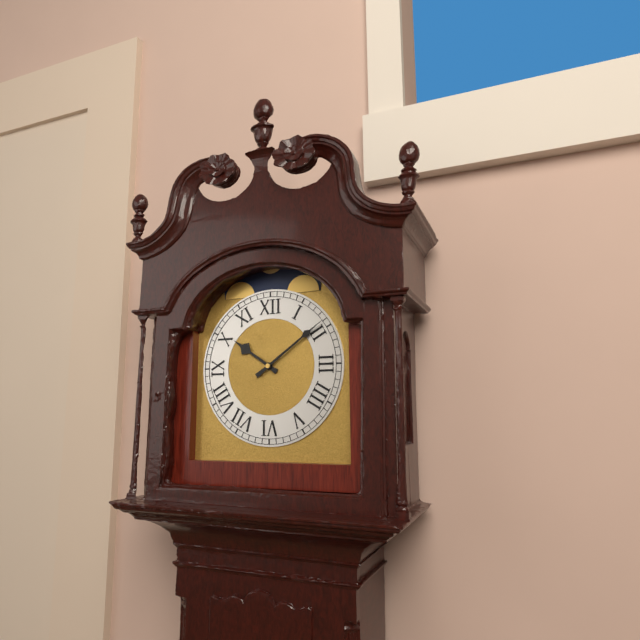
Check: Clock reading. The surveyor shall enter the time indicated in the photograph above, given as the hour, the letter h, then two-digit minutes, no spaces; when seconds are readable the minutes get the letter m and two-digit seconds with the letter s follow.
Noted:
10h09
